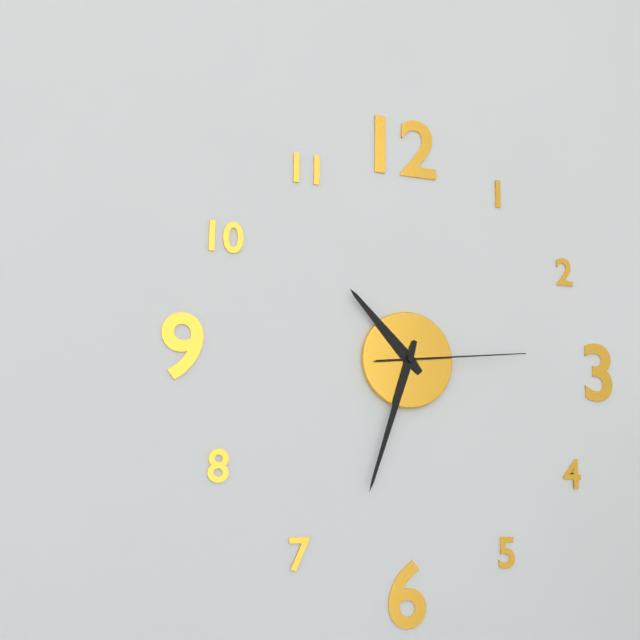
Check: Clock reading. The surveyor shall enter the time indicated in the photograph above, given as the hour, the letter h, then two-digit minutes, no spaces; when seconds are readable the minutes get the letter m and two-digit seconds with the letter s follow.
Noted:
10h33m14s
